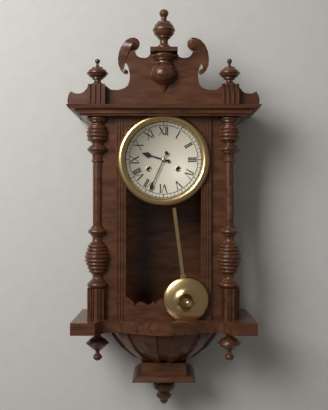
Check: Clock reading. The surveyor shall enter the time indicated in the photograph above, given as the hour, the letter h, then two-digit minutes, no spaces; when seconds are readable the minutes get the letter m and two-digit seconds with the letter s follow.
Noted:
9h34
